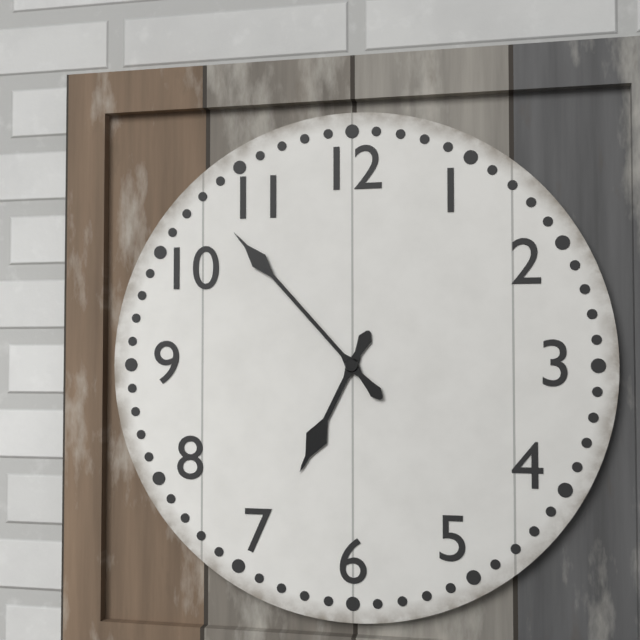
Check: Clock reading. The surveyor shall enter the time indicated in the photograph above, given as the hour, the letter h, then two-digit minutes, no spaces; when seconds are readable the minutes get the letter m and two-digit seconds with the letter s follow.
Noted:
6h53
